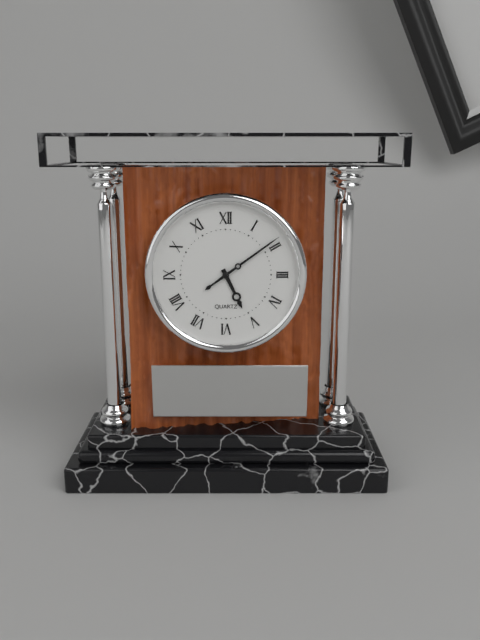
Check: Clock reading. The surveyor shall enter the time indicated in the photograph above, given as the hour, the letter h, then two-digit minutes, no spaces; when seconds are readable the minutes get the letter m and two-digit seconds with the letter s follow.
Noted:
5h09
